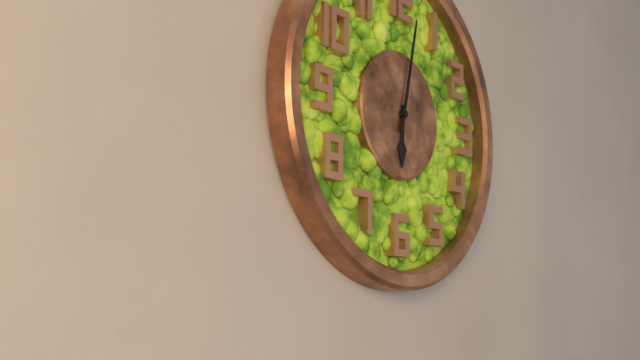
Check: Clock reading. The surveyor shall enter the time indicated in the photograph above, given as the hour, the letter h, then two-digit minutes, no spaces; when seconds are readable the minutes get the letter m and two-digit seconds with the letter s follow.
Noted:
6h02
